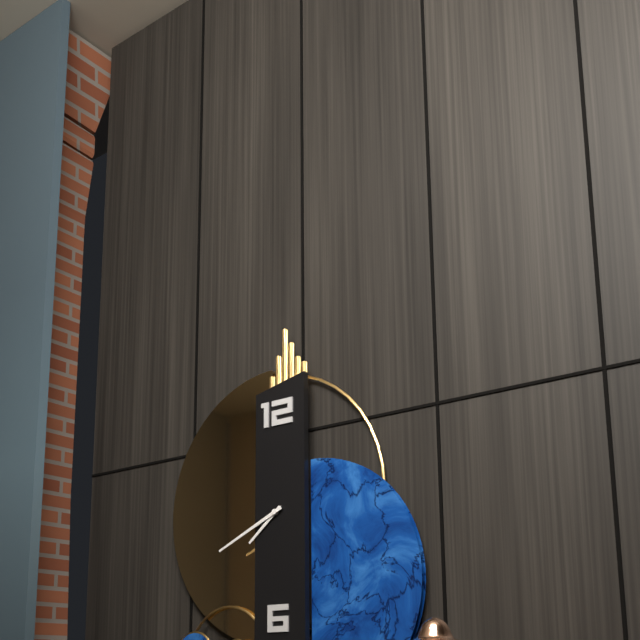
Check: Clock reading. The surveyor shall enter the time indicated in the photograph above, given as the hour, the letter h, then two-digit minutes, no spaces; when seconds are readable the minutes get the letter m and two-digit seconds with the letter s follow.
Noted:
7h41
